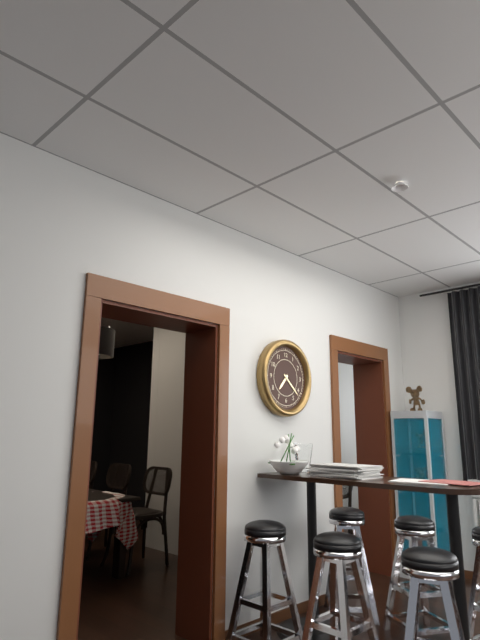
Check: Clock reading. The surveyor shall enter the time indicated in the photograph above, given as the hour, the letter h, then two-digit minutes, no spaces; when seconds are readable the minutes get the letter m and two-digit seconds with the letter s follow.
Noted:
7h22
